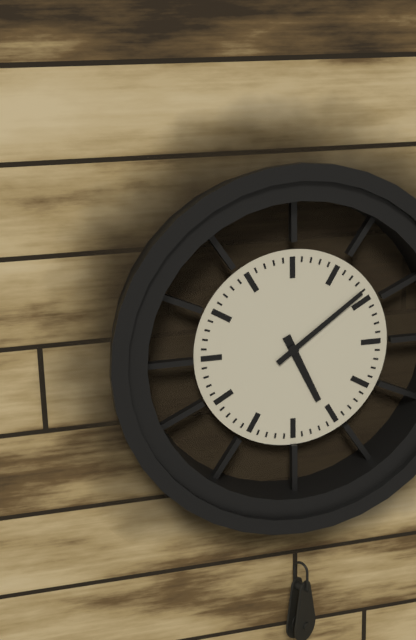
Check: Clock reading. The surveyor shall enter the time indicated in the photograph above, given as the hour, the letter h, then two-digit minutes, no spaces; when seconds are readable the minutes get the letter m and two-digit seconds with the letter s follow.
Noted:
5h09
